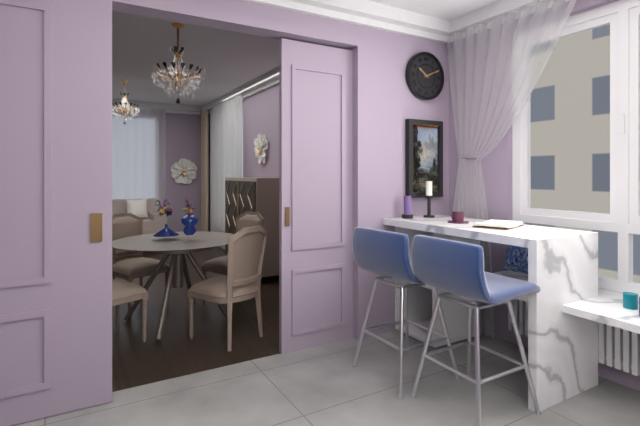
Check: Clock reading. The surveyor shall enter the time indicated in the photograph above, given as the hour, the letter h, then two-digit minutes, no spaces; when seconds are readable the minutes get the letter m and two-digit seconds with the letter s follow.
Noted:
10h11
